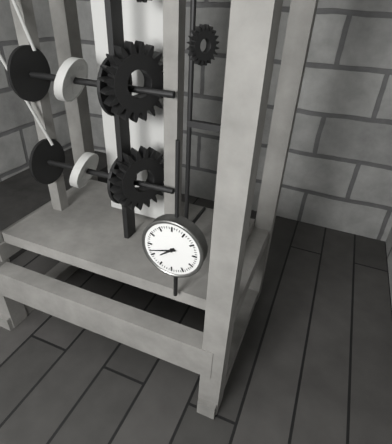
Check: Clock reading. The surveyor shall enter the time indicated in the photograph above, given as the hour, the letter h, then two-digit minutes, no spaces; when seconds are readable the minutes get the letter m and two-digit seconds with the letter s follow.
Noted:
7h42
